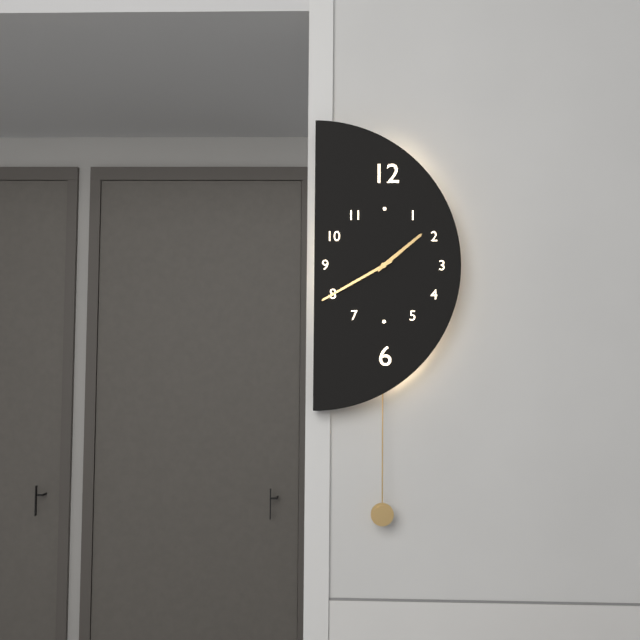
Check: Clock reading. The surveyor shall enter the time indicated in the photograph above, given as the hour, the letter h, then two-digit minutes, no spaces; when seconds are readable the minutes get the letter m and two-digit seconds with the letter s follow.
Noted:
1h40
